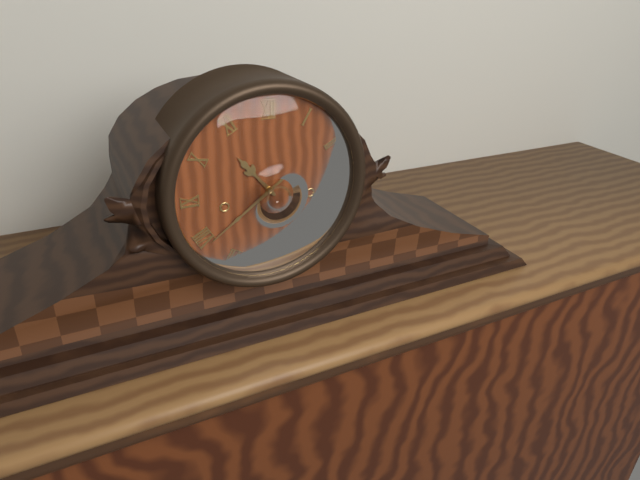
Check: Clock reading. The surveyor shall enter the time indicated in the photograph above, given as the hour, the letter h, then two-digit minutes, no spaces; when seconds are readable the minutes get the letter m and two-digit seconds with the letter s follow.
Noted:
10h39
